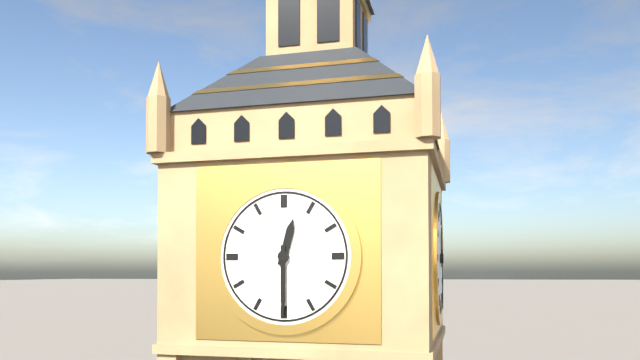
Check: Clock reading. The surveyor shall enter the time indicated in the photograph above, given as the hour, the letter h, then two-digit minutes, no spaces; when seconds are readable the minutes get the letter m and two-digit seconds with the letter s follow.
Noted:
12h30
